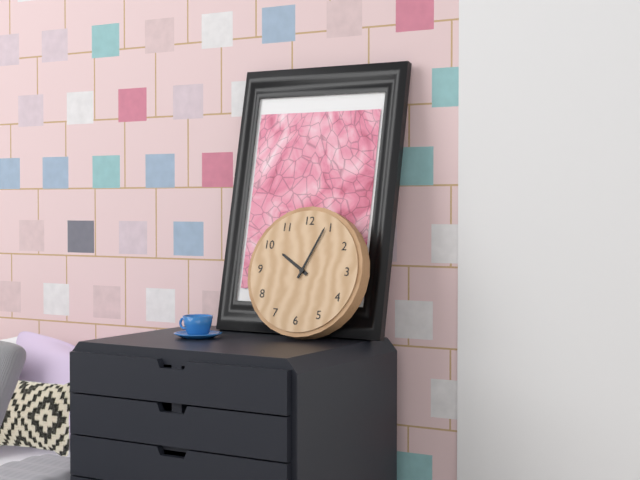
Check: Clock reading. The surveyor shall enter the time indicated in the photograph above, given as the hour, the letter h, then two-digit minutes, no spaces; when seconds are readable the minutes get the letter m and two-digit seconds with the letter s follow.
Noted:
10h04
